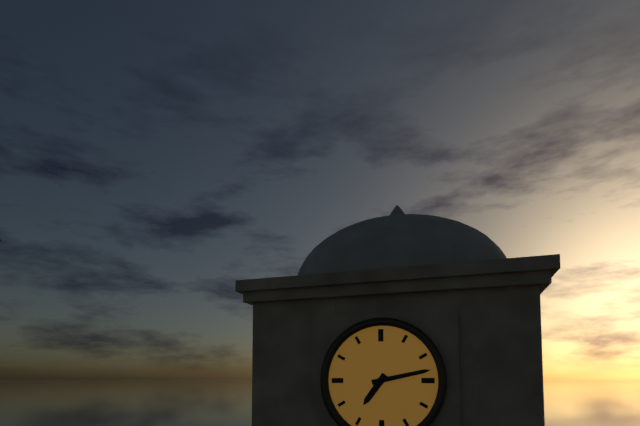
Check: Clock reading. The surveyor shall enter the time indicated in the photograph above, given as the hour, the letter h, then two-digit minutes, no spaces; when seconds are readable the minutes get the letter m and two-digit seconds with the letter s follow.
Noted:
7h13
